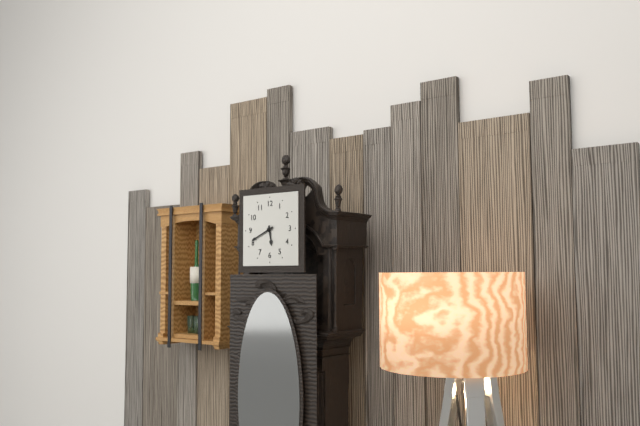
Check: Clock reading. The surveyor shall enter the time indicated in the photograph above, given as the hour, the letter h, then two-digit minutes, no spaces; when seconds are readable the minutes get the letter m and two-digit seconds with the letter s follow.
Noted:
5h41
